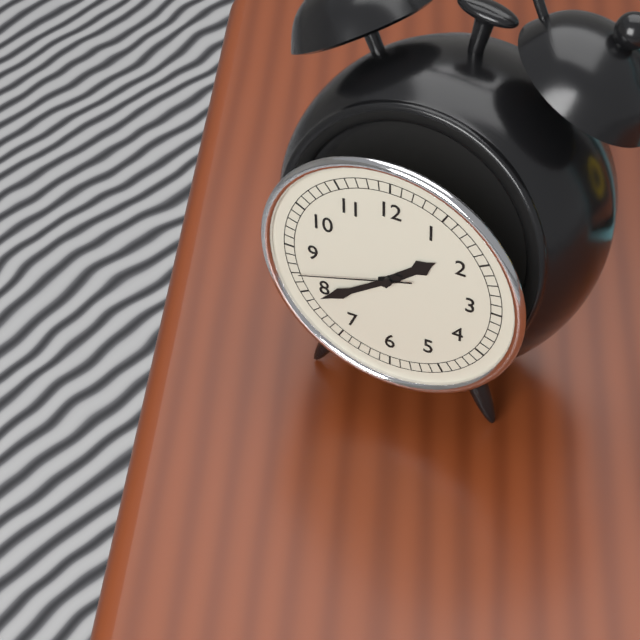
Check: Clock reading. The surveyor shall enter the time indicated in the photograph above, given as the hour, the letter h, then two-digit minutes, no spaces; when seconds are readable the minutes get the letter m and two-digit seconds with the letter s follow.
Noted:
1h39m42s
